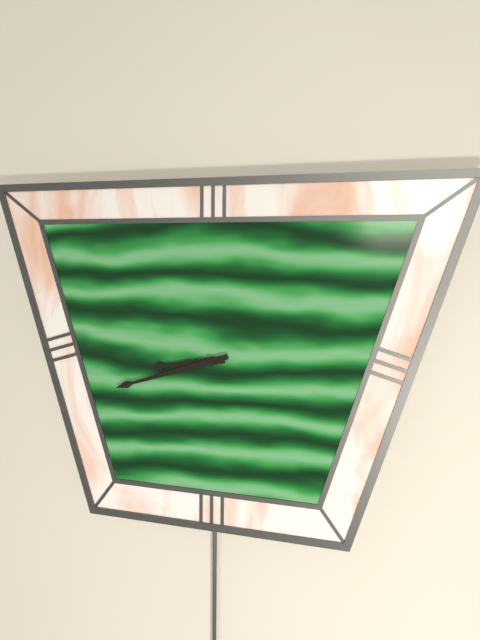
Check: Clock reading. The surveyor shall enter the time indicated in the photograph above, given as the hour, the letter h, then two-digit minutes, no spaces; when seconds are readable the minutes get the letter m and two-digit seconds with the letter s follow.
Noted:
8h42
